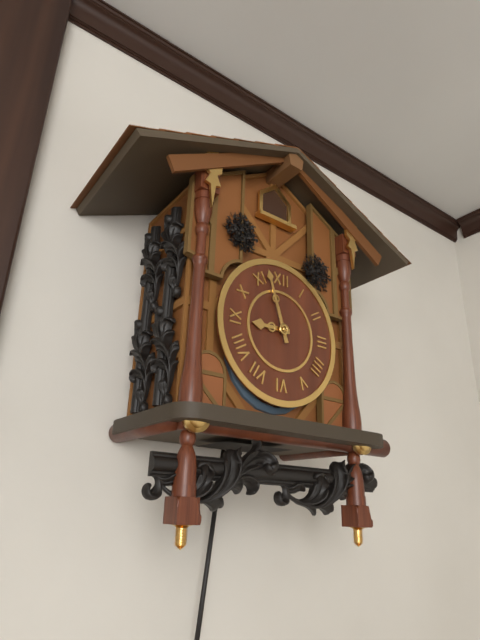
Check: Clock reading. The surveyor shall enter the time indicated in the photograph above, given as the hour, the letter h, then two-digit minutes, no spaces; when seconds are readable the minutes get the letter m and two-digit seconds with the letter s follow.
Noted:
8h57
